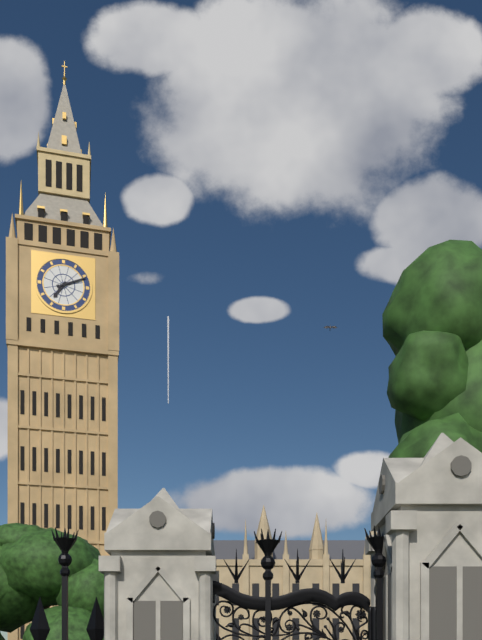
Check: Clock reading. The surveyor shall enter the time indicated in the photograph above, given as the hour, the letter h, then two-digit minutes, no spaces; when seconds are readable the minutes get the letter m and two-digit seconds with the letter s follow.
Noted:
7h11
